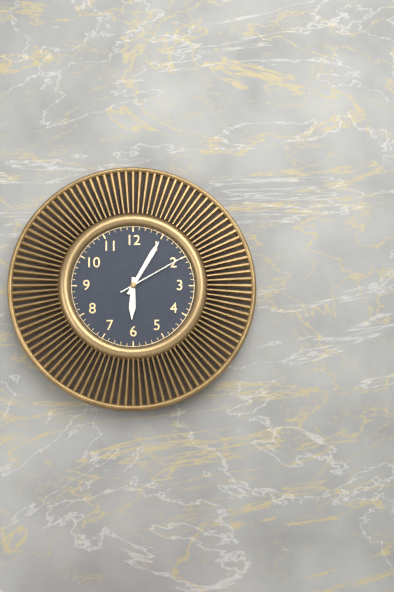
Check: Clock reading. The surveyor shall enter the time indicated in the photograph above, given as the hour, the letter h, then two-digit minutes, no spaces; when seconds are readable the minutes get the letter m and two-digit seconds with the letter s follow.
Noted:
6h05m10s
